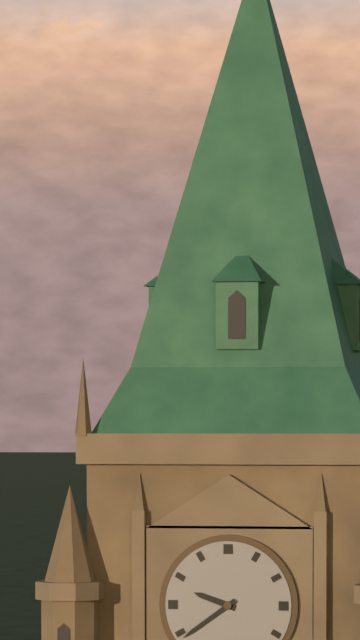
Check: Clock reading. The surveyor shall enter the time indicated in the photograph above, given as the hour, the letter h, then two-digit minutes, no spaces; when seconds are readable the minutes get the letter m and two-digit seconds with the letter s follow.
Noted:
9h39
